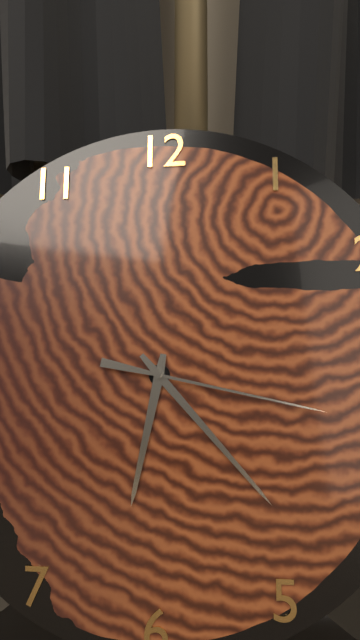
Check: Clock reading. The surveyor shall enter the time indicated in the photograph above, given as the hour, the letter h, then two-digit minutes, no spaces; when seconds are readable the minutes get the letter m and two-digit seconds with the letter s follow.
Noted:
6h23m17s
